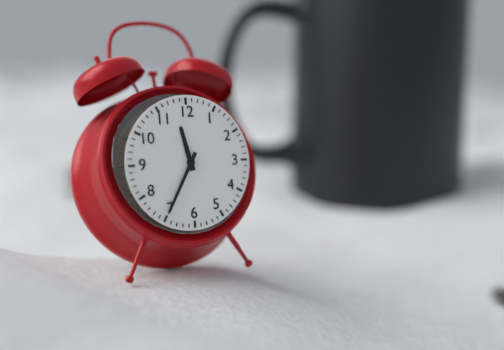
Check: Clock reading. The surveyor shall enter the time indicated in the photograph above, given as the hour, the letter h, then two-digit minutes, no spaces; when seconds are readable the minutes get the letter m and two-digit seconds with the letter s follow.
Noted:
11h35
